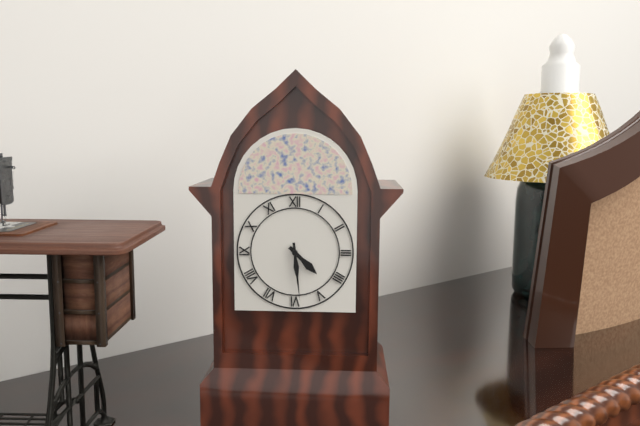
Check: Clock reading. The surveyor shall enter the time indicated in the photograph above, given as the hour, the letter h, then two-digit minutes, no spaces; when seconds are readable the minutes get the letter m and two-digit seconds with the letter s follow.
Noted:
4h29
